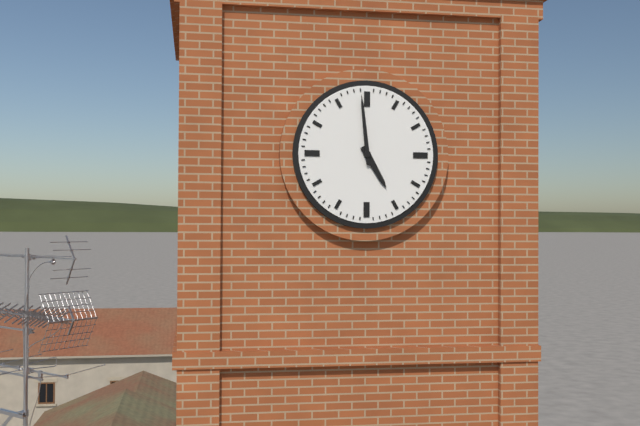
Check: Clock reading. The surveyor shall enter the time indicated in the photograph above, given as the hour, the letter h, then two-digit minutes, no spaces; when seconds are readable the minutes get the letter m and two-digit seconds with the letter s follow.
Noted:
4h59
